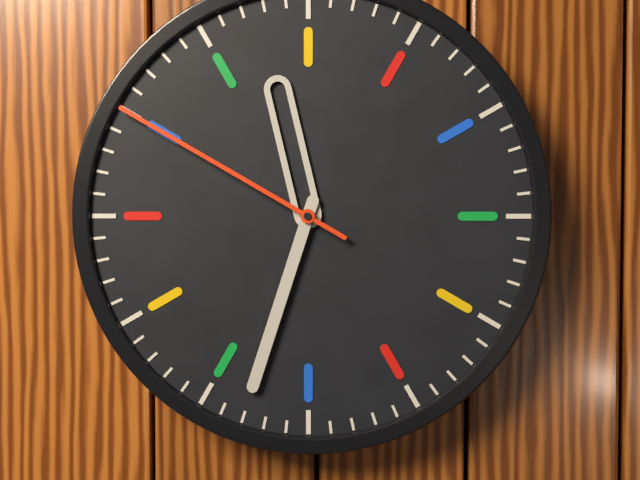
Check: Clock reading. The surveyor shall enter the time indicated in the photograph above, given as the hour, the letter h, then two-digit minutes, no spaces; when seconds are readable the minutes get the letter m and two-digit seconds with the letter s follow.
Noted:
11h33m50s
